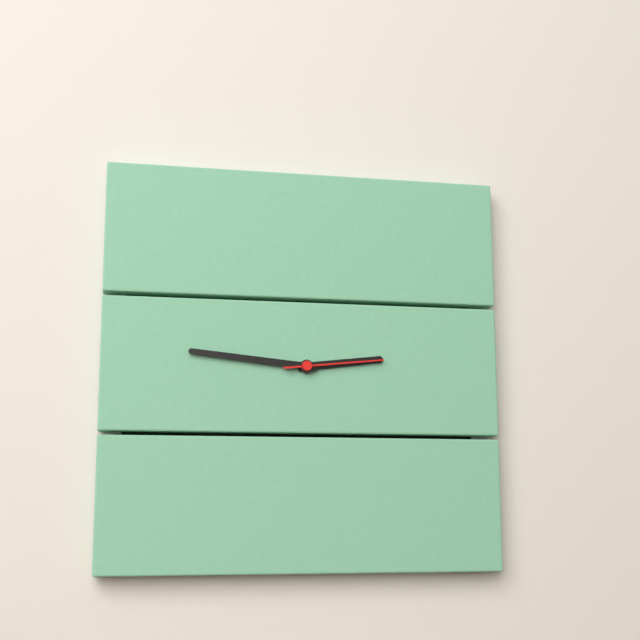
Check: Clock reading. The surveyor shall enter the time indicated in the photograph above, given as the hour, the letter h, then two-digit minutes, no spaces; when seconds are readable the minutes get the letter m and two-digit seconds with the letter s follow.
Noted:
2h46m14s
